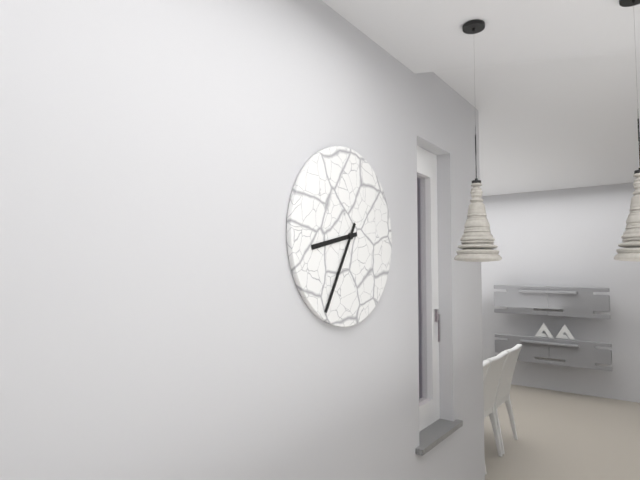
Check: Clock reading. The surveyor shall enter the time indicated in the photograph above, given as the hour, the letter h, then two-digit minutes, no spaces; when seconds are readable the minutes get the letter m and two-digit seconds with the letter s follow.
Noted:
8h35
